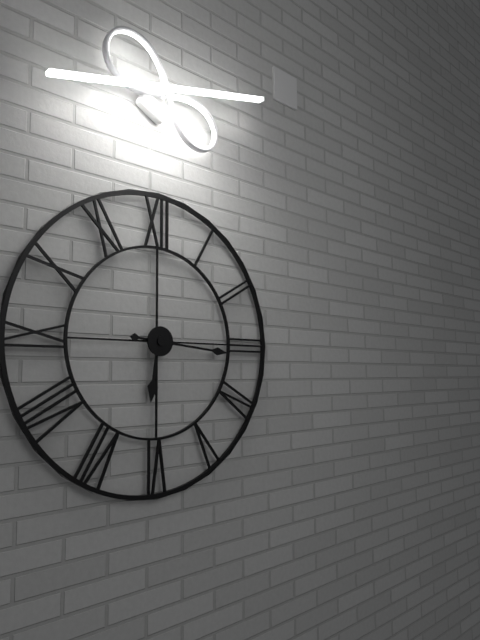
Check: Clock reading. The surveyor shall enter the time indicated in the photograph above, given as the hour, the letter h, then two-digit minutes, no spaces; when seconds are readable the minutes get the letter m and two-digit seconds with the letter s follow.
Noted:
6h16
